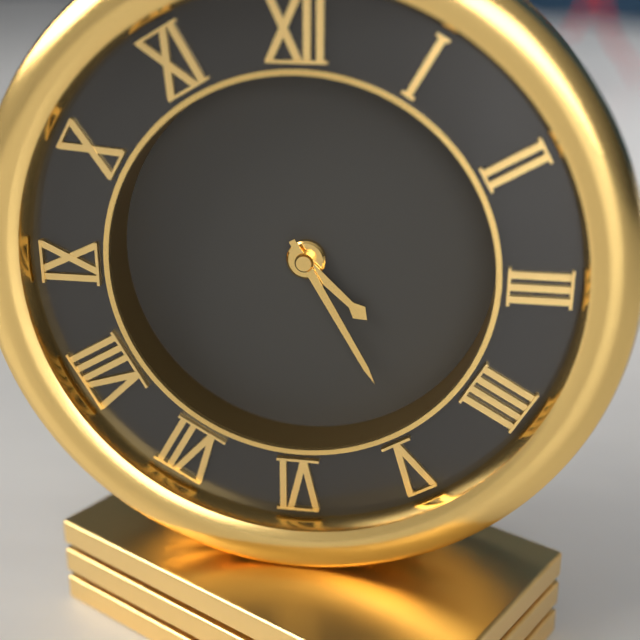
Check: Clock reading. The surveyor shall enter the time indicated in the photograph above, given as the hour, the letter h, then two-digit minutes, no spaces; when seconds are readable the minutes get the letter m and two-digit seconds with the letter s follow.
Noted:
4h25
